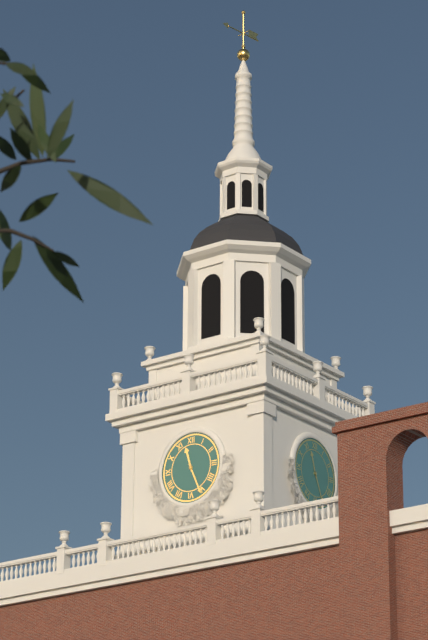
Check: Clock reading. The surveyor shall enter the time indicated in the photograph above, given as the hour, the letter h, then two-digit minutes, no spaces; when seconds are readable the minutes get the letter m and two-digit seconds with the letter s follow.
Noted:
11h26
